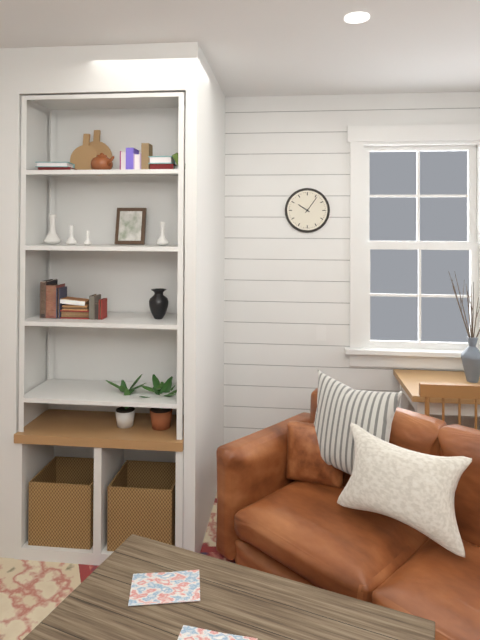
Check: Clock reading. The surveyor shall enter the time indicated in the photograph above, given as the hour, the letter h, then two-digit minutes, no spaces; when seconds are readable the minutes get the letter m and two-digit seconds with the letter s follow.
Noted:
10h06
